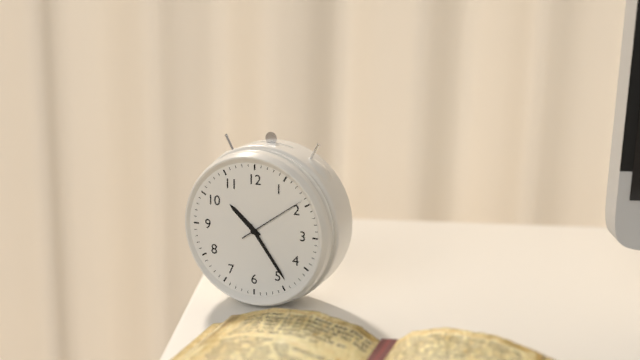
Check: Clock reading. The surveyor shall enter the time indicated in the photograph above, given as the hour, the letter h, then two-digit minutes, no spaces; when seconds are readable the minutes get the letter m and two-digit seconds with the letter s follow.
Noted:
10h24m09s
